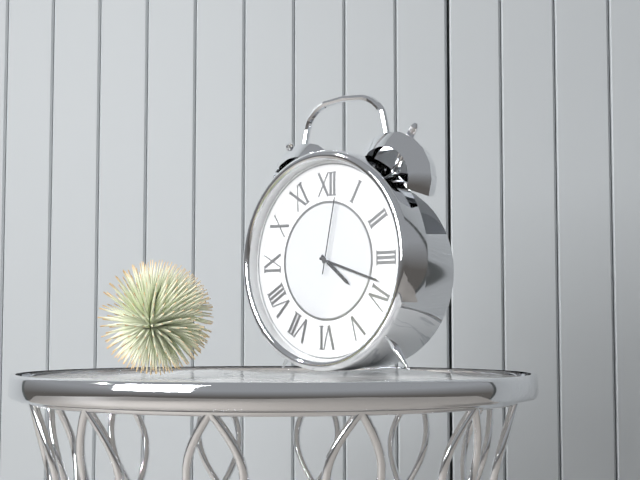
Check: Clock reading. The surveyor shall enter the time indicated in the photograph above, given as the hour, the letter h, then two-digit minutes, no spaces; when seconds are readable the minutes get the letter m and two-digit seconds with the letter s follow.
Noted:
4h18m02s
